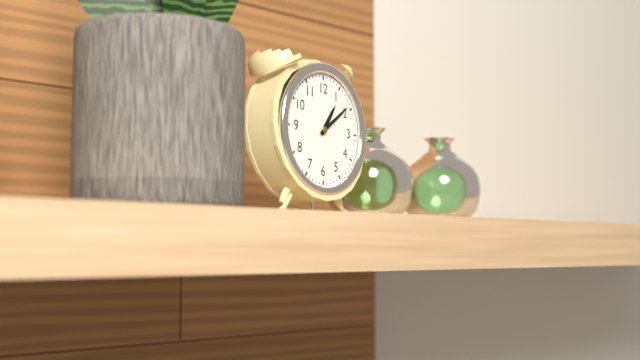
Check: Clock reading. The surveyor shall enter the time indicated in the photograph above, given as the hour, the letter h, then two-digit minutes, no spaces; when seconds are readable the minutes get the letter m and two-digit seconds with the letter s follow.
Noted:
1h09
